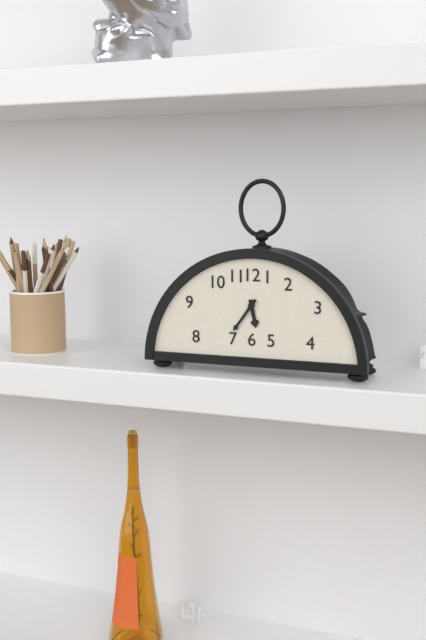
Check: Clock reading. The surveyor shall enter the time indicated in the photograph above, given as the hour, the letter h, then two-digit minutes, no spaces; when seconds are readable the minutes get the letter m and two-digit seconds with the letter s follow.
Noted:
5h36
